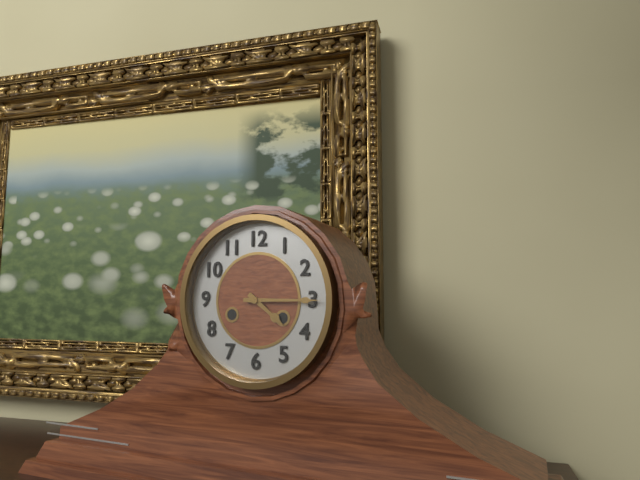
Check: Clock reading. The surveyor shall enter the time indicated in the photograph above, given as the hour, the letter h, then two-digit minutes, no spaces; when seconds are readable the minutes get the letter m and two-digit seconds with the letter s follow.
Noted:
4h15
